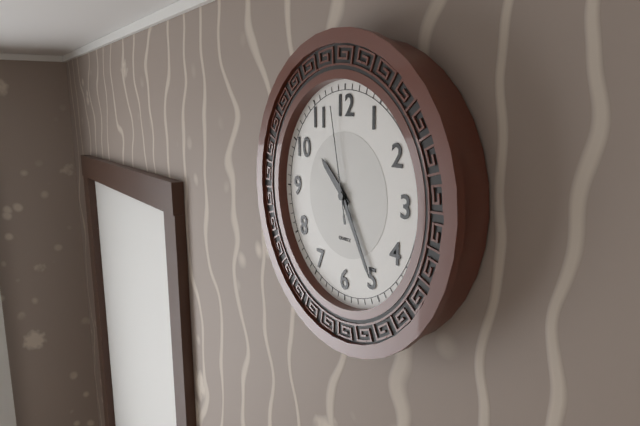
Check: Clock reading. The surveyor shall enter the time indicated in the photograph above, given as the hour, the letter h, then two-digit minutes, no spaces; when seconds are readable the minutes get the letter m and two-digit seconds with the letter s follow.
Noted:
10h25m58s
